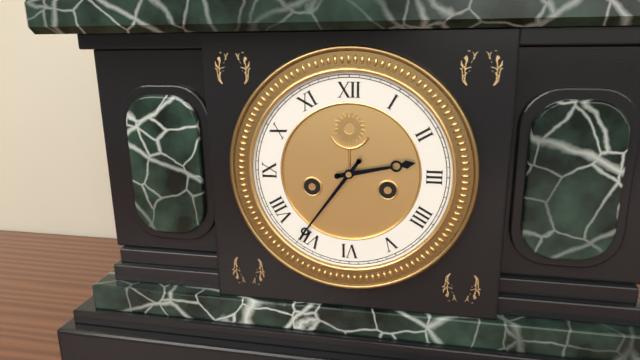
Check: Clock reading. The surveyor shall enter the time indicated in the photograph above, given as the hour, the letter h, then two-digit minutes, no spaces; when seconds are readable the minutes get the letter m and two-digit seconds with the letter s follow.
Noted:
2h36
